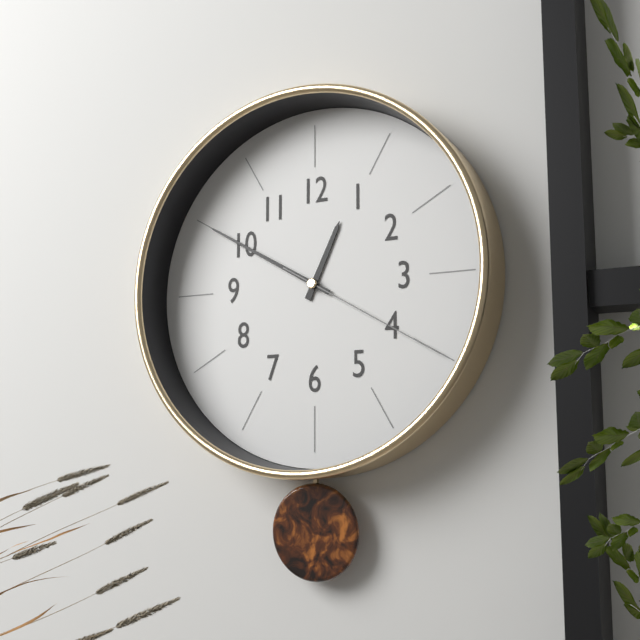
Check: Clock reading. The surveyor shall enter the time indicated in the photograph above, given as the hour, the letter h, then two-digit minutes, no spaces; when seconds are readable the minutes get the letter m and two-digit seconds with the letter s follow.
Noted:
12h50m20s
